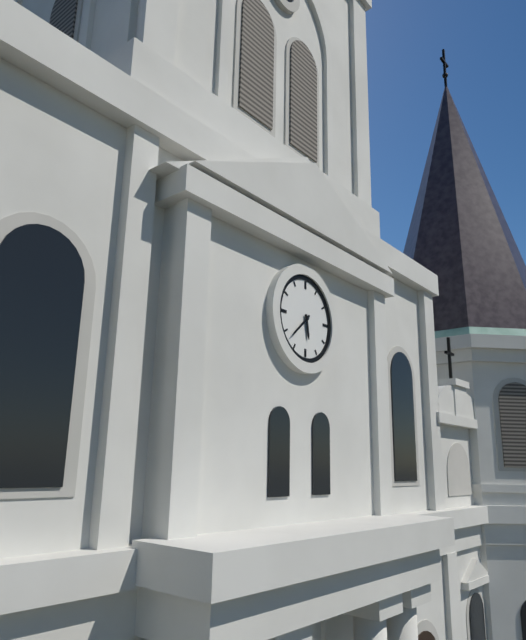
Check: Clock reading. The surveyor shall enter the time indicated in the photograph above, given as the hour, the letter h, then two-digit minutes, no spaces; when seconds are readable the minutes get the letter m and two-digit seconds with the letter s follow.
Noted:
5h38
